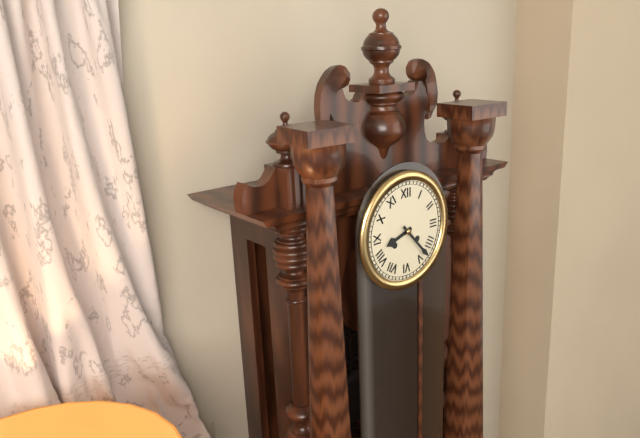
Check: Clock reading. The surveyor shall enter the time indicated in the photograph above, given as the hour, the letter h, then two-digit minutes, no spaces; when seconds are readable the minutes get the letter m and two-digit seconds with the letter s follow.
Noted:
8h23
